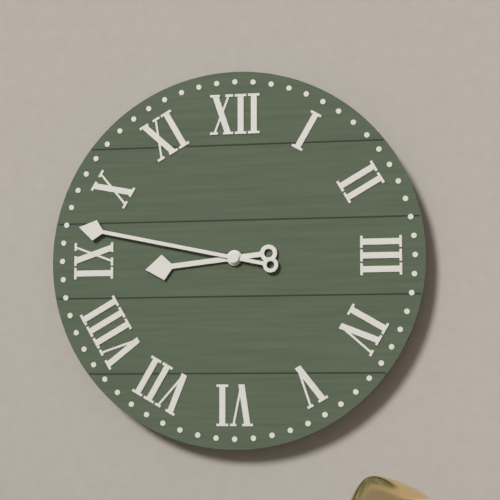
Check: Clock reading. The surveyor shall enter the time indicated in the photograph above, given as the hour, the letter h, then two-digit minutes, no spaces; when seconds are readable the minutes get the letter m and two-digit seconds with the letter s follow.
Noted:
8h47
